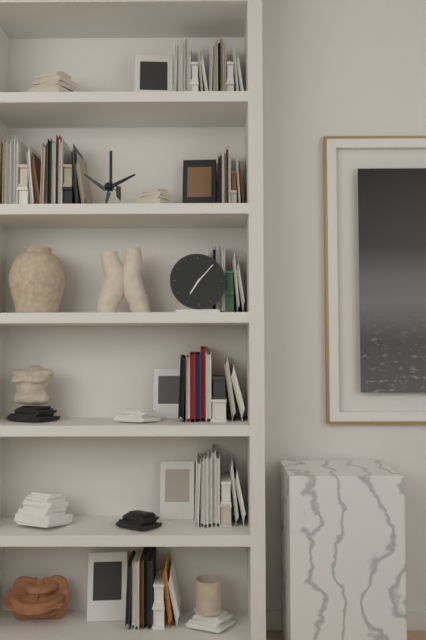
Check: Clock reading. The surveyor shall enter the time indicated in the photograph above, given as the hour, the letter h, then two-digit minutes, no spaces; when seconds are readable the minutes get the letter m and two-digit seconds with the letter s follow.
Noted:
7h07
